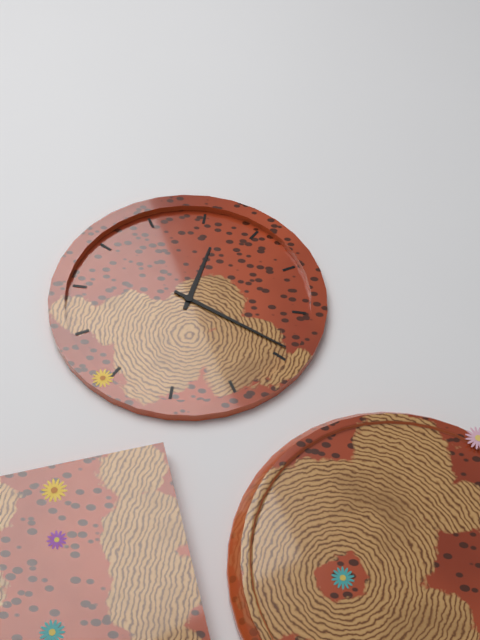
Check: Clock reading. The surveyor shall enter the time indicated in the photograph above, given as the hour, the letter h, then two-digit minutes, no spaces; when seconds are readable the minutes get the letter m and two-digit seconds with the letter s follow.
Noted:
12h19
